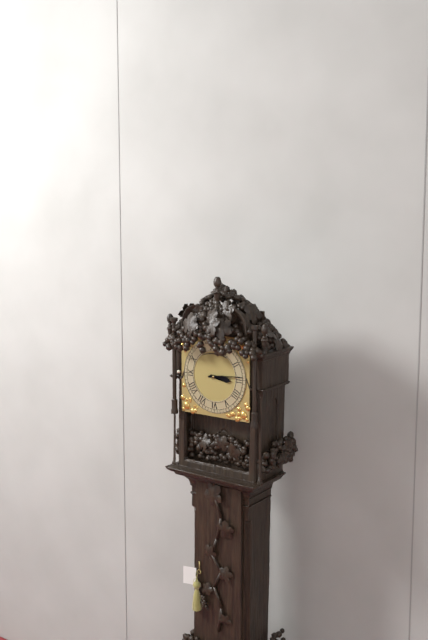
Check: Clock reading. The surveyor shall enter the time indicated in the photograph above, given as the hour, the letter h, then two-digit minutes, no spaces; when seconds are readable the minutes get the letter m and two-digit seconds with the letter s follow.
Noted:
3h14
